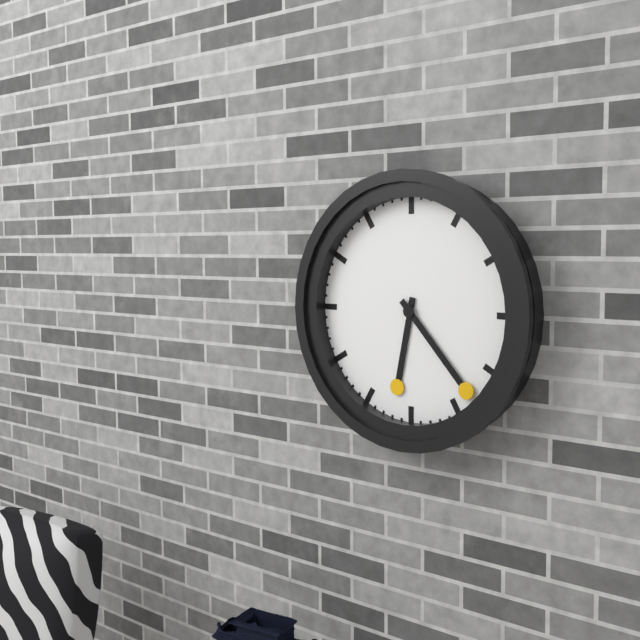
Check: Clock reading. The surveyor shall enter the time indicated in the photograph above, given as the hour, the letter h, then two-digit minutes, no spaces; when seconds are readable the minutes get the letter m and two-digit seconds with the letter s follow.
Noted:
6h23
